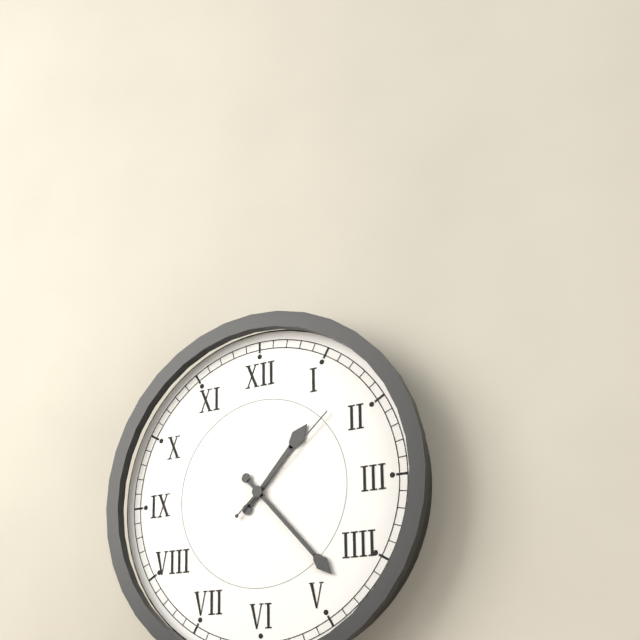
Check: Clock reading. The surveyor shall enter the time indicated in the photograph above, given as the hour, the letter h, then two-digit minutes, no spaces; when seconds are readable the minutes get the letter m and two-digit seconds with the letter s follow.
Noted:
1h23m08s
